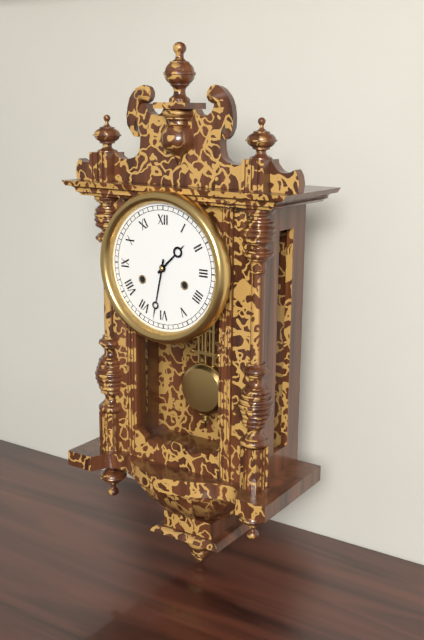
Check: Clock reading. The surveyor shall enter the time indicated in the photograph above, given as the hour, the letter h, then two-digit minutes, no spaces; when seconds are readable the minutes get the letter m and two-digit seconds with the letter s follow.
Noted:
1h32
